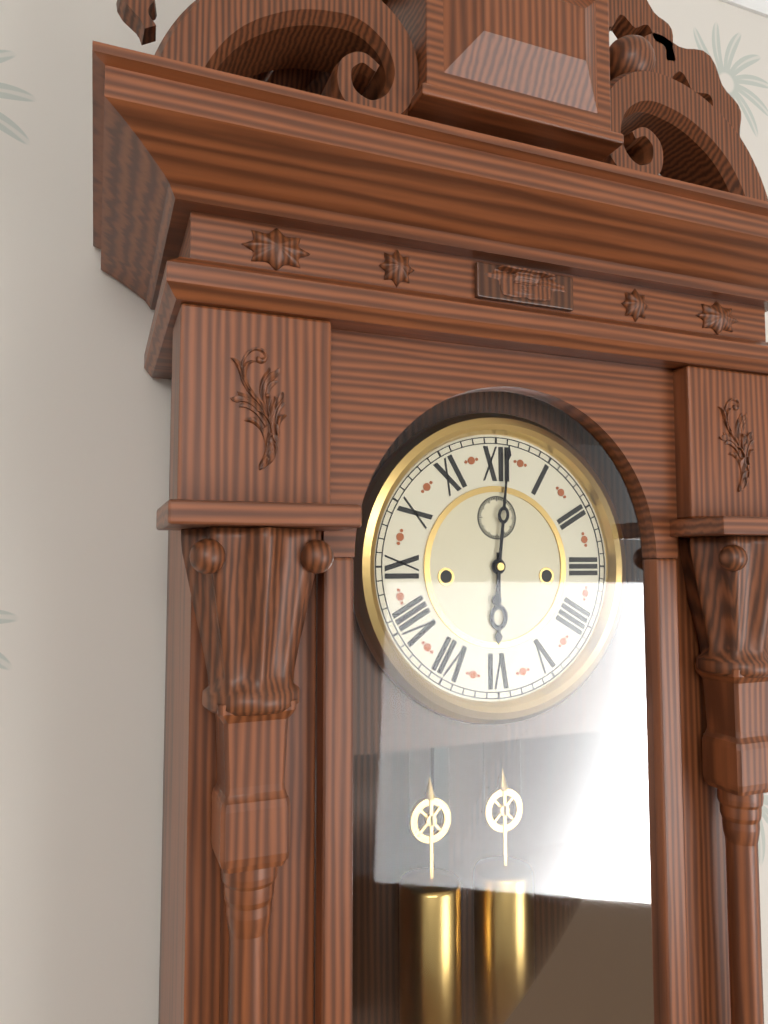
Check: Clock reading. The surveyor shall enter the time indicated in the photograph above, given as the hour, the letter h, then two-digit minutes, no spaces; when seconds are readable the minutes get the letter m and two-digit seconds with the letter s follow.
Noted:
6h01
